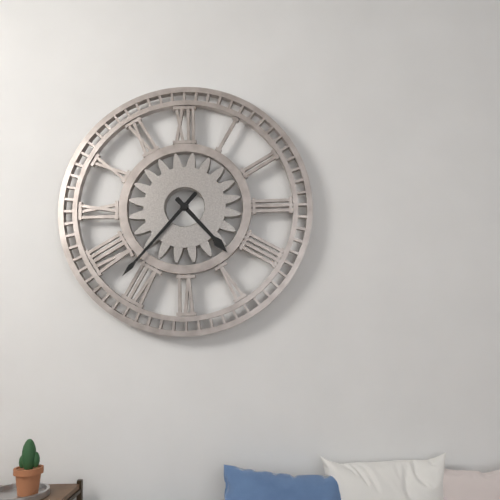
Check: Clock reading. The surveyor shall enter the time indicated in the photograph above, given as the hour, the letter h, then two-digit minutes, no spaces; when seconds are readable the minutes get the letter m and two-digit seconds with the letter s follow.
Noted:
4h37
